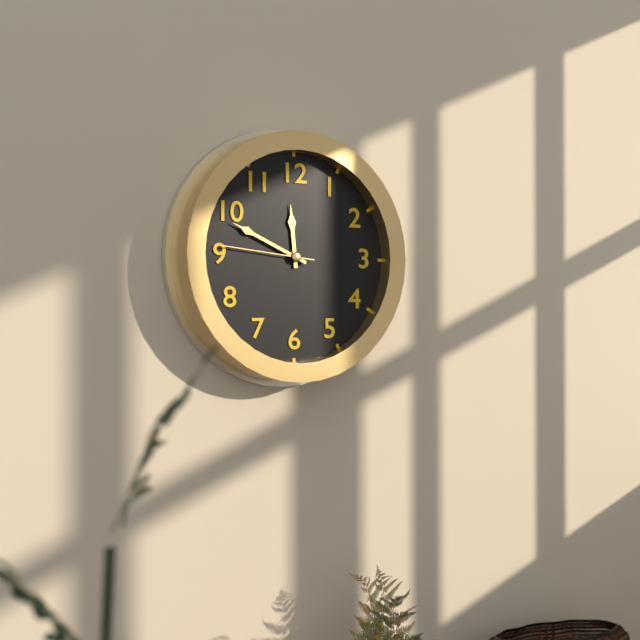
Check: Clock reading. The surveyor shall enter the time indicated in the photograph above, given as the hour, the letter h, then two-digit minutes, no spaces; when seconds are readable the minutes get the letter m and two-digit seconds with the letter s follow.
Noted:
11h49m46s
